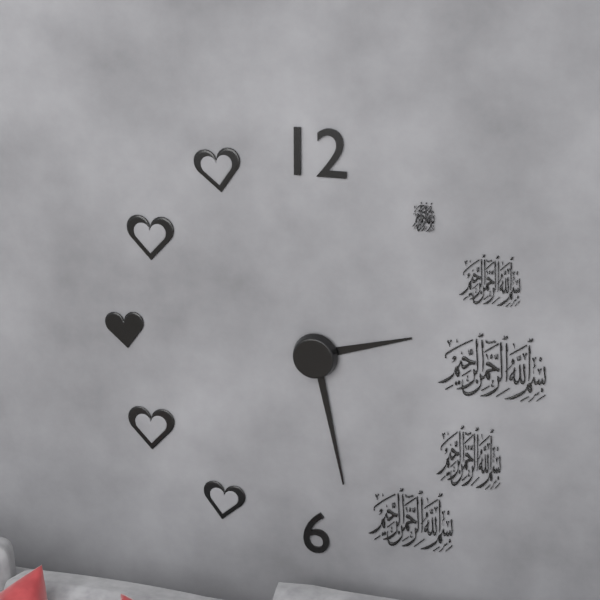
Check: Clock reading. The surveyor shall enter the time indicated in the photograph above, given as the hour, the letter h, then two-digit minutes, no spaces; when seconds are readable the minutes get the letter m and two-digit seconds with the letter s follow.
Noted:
2h28
